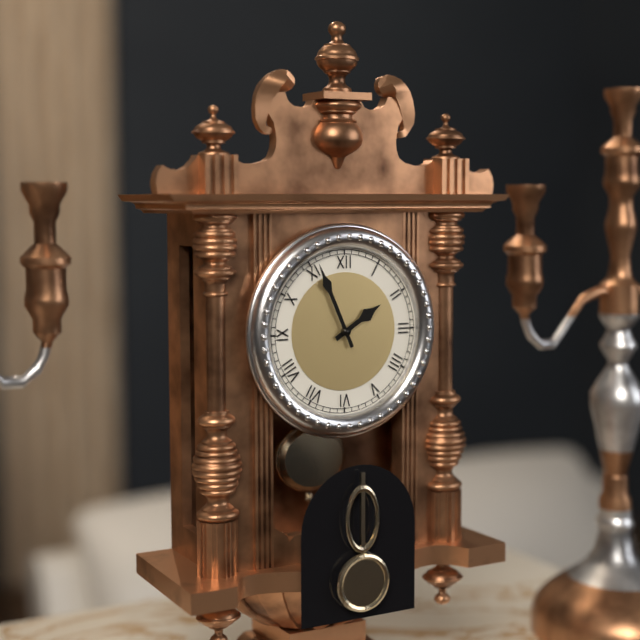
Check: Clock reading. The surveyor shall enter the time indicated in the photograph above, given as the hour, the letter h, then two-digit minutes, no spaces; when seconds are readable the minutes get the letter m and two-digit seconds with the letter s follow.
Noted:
1h56
